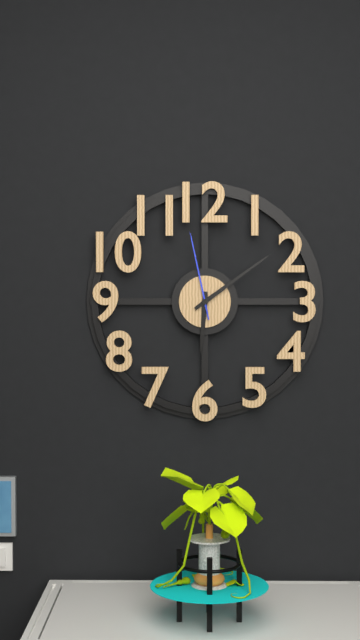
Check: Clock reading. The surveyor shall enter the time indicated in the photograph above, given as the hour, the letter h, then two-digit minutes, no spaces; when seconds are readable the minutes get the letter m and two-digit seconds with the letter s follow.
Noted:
6h09m58s
